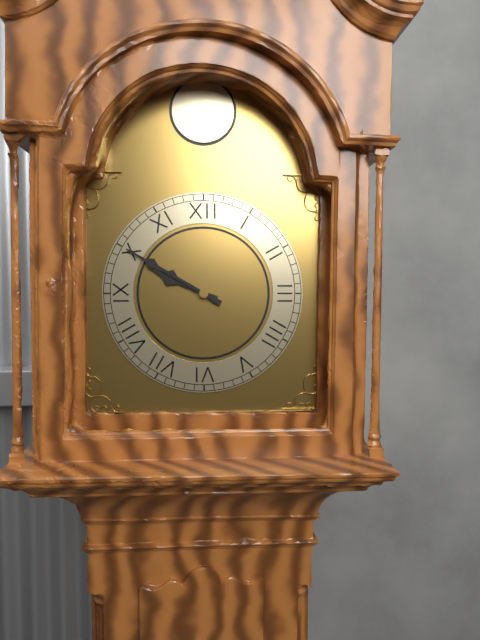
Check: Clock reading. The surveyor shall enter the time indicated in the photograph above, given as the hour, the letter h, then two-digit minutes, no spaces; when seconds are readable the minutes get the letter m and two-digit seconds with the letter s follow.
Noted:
9h50
